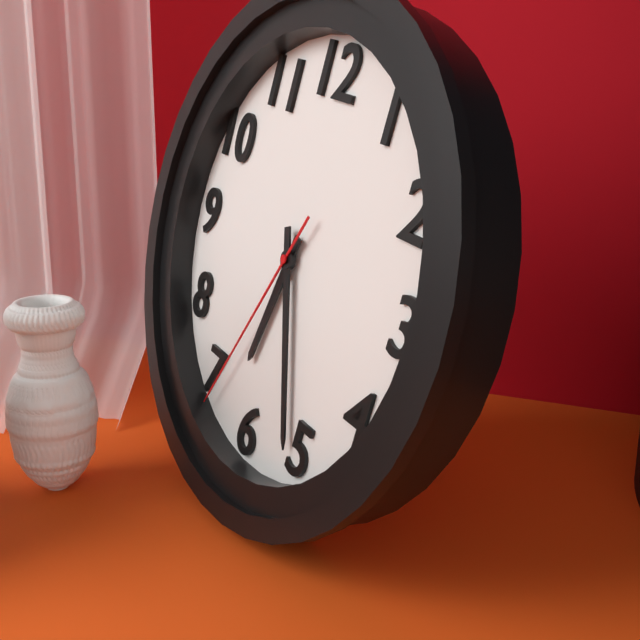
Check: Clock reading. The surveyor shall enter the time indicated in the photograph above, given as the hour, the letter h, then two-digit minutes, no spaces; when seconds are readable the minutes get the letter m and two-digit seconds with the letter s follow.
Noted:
6h26m34s
